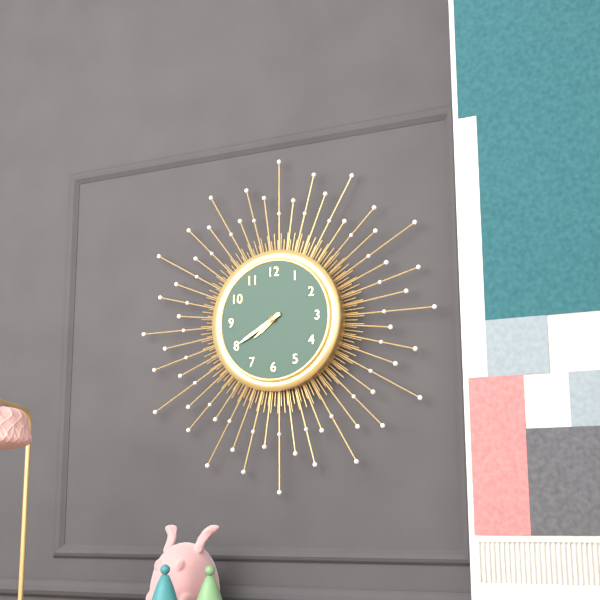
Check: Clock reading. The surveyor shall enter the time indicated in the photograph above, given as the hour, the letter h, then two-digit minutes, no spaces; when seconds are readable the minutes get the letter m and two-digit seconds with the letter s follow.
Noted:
7h40
